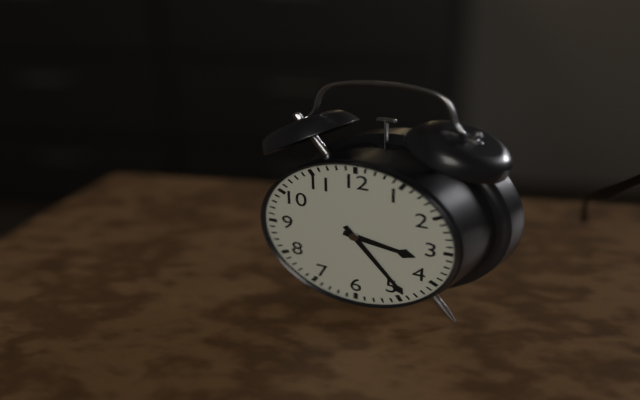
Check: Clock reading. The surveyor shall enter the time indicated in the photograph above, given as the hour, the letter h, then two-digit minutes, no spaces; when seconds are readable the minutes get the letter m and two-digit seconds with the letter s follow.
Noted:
3h24
